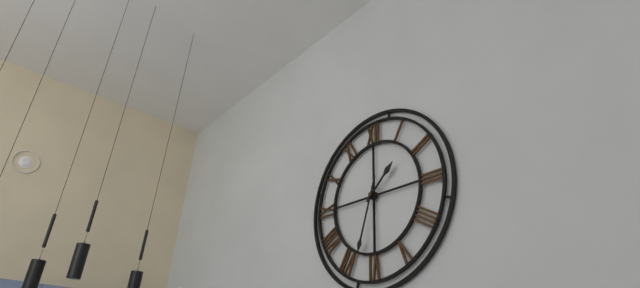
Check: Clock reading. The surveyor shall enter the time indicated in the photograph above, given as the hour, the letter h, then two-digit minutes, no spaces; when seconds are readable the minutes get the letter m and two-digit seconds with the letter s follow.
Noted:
1h33
